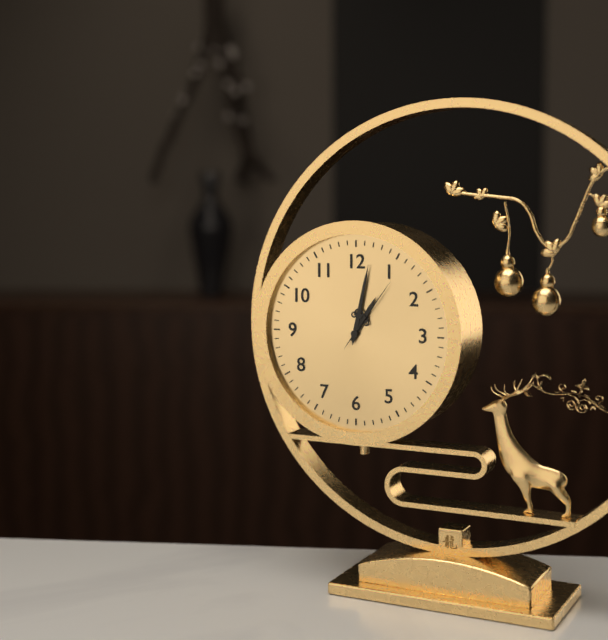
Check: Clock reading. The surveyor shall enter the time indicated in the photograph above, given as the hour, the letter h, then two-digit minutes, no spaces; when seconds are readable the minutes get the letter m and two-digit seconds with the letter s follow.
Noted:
1h02m06s
